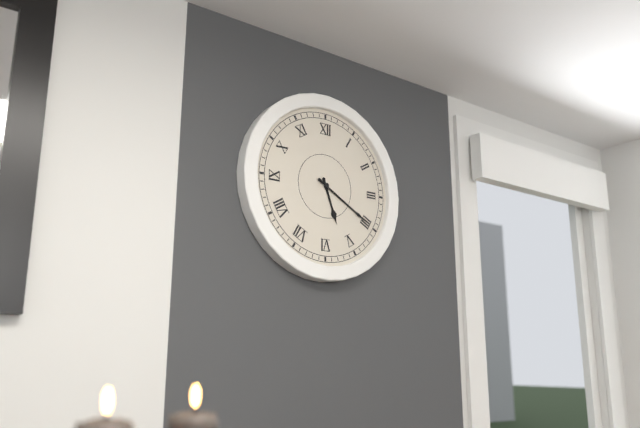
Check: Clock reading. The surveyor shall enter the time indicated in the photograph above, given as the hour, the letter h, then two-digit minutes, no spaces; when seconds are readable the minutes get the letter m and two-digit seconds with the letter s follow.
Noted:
5h20
